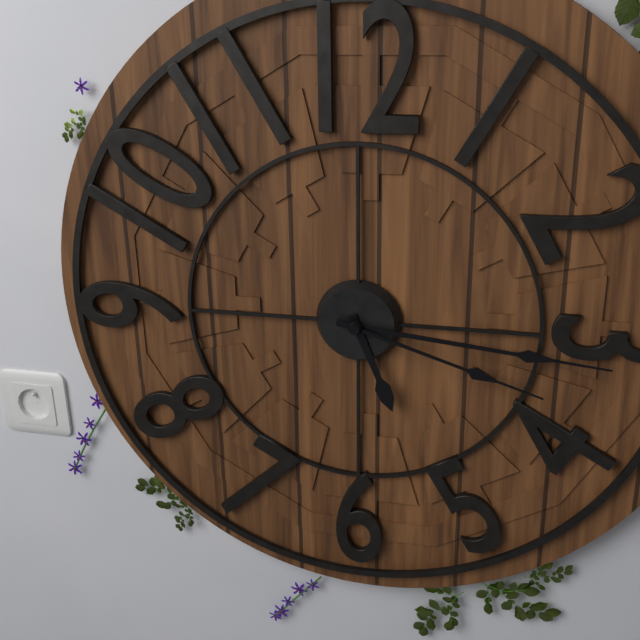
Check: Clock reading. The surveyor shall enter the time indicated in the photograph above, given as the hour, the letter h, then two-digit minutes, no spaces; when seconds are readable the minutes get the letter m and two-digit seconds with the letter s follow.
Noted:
5h16m18s
